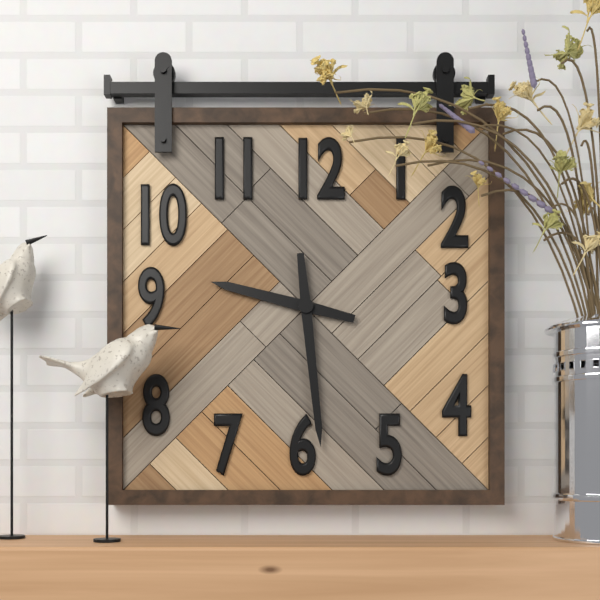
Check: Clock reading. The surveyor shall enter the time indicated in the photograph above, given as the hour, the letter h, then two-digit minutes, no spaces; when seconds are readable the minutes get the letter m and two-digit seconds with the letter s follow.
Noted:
9h29
